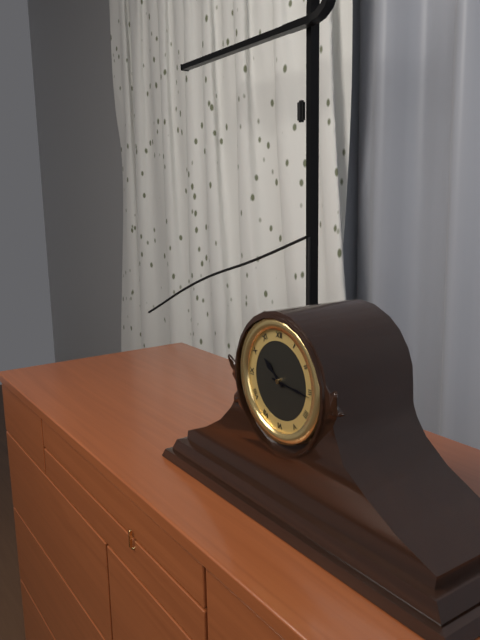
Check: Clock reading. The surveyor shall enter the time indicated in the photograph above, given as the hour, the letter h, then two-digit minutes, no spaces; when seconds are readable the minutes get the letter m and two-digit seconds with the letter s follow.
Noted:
10h16
